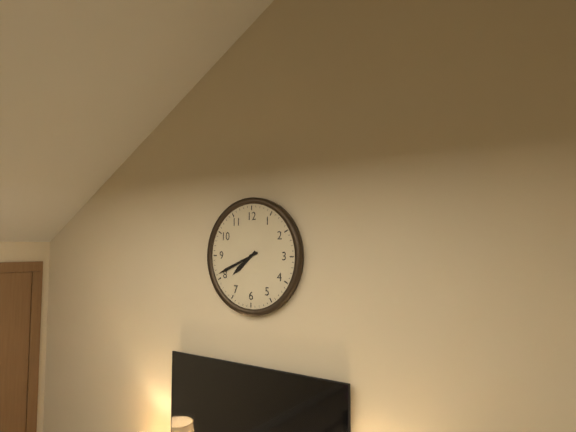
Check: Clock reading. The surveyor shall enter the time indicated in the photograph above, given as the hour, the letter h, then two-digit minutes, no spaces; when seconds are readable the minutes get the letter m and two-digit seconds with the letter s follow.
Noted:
7h41
